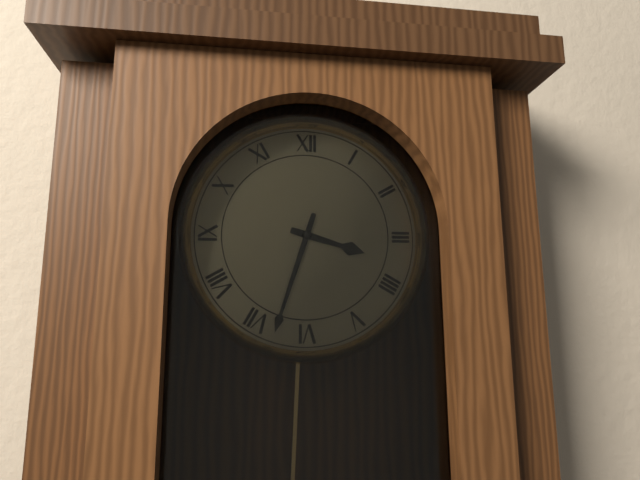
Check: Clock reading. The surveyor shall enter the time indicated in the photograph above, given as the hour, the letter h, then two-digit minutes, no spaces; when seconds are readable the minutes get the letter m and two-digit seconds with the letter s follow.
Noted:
3h33
